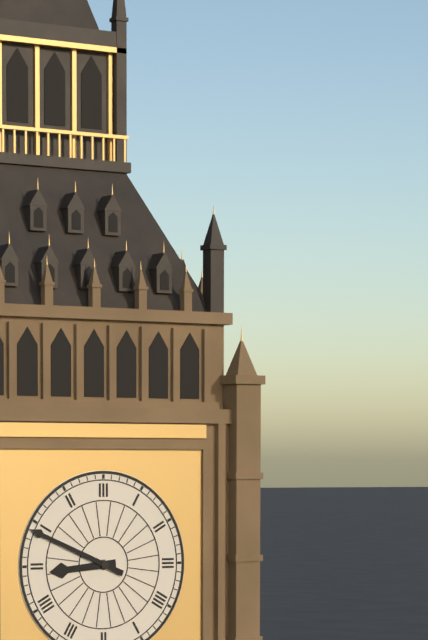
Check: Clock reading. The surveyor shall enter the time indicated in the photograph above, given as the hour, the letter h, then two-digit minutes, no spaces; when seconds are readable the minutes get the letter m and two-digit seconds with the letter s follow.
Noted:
8h49
